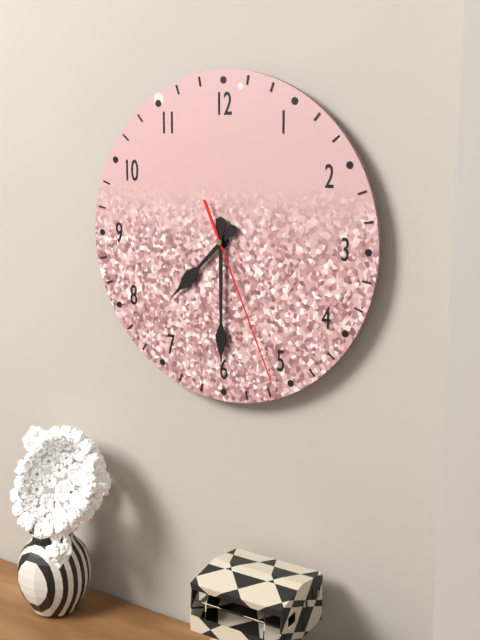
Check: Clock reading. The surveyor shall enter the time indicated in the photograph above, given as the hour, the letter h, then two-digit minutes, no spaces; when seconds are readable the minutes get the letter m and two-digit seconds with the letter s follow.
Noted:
7h30m26s
